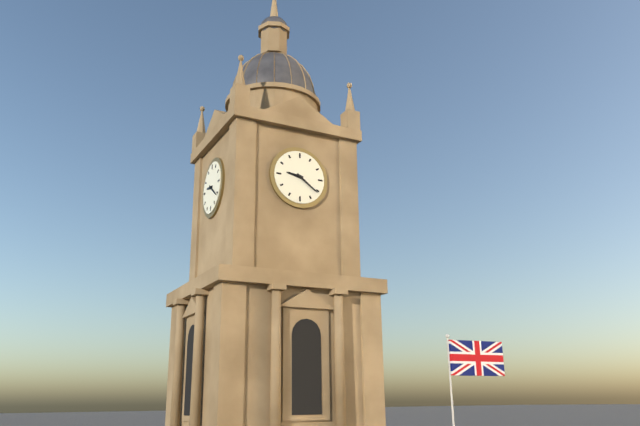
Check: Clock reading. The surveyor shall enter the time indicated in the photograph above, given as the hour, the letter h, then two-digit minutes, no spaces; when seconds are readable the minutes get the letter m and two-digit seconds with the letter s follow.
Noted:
9h21
